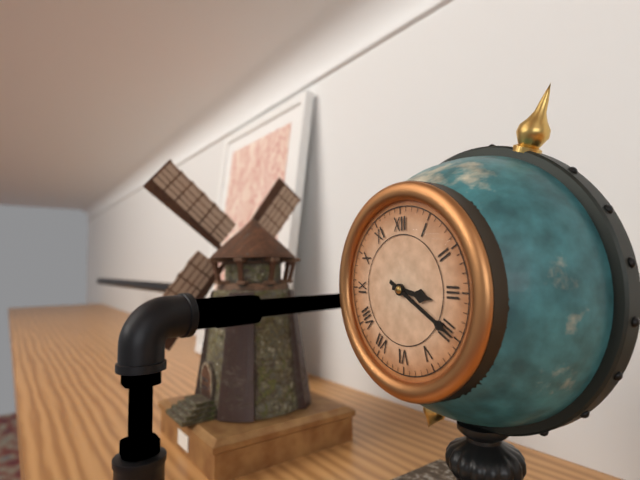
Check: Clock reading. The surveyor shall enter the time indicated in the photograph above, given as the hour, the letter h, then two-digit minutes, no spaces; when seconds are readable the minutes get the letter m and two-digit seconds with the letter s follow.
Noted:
3h20
